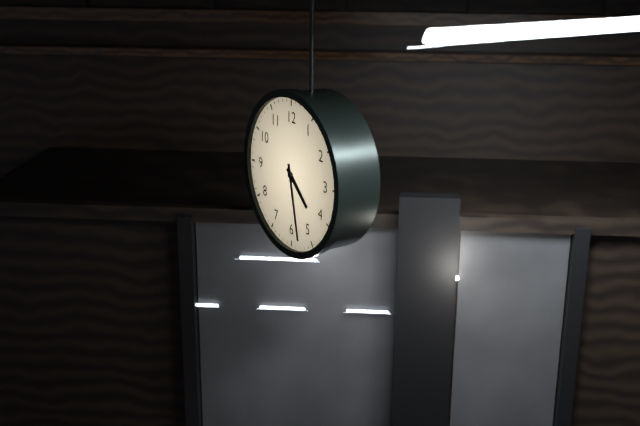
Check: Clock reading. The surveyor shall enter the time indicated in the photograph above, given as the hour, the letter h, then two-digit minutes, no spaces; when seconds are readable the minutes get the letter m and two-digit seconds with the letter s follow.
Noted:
4h28
